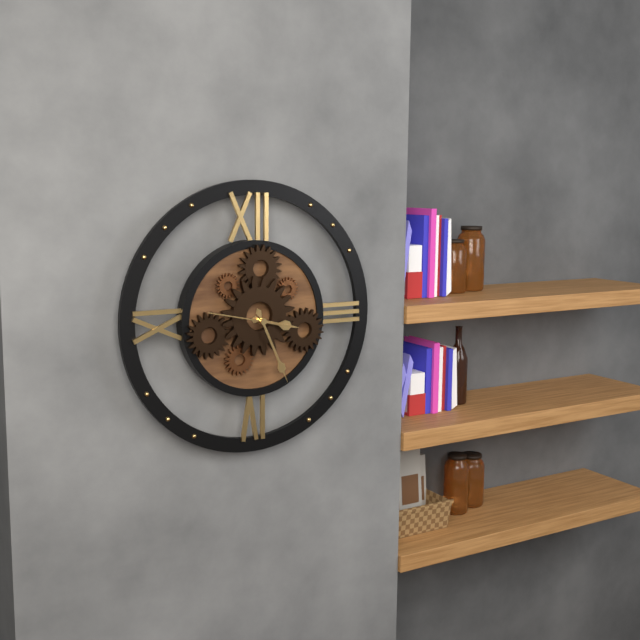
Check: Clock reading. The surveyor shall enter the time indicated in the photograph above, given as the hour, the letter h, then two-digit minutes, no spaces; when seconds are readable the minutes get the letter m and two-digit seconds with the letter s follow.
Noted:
3h26m47s
